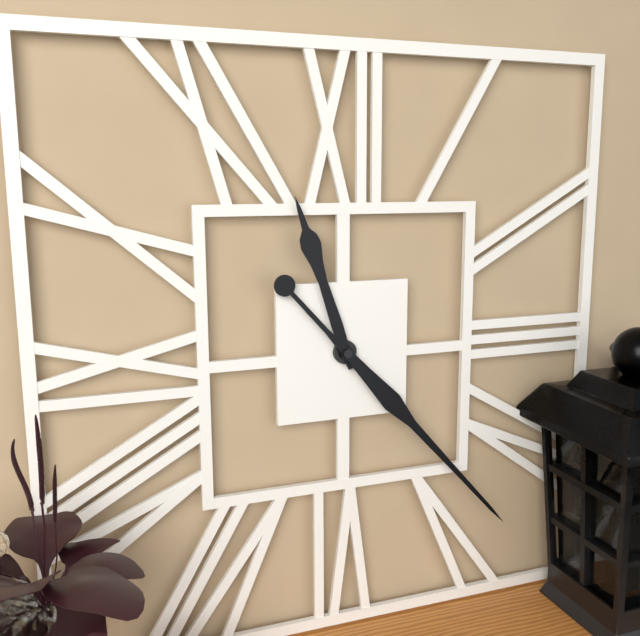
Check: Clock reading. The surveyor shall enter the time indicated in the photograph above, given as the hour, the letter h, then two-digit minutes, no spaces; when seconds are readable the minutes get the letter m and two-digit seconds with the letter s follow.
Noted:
11h23
